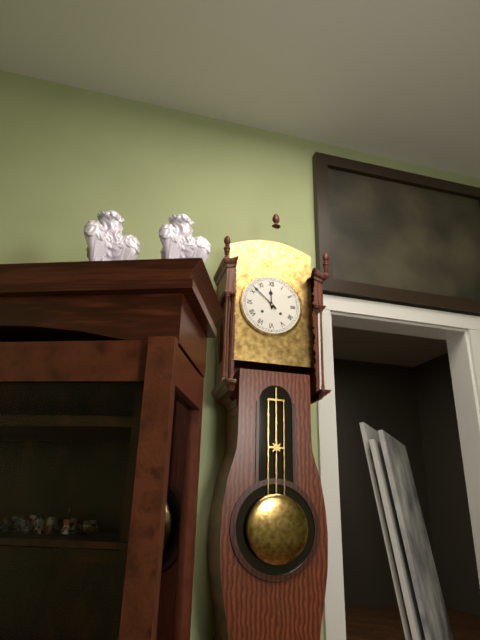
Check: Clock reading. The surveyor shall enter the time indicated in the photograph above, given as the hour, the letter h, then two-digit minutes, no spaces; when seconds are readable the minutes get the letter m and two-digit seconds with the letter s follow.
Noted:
11h52
